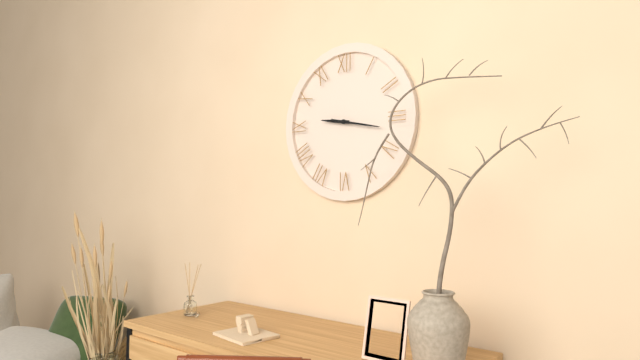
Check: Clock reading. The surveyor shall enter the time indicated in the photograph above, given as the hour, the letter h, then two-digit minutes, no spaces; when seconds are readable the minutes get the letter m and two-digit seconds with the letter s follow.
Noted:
9h17
